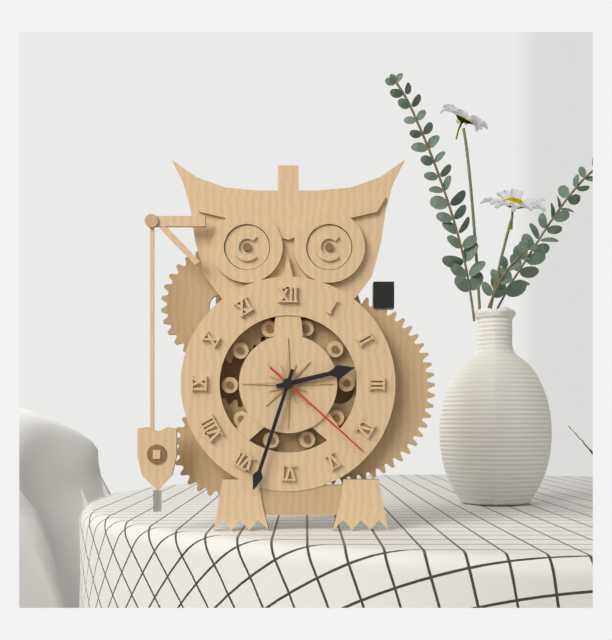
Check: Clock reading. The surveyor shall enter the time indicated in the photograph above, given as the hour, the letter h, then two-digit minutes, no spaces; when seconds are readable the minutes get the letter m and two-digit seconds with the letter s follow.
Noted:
2h33m22s
